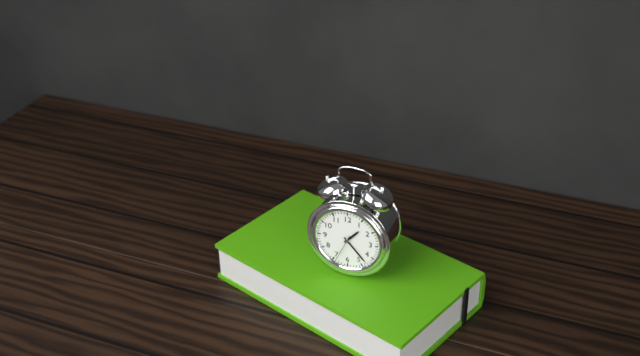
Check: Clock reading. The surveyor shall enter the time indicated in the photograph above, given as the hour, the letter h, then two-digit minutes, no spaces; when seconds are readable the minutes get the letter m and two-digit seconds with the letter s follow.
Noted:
1h23
